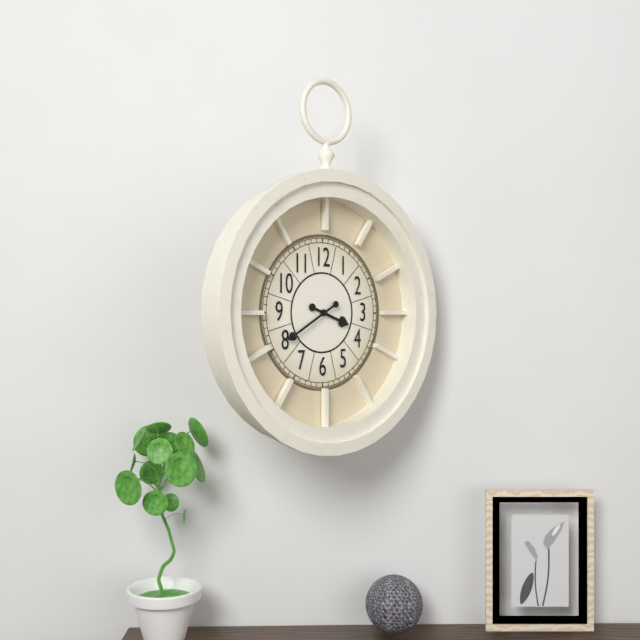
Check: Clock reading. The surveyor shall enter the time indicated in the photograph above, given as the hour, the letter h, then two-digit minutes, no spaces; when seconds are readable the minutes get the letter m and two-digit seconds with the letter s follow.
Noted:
3h40
